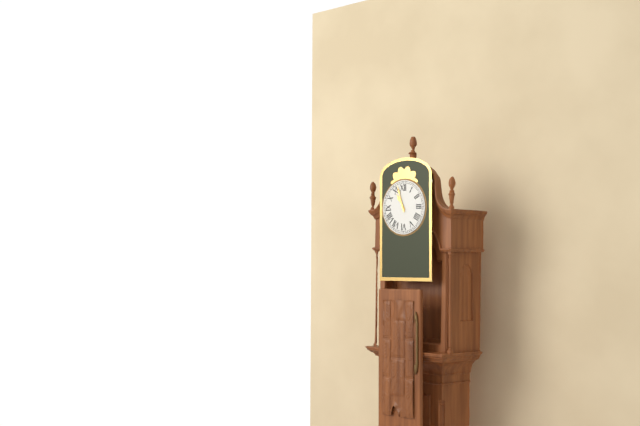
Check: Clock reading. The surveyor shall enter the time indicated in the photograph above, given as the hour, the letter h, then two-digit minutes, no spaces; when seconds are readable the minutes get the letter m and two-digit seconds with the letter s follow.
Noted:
10h57
